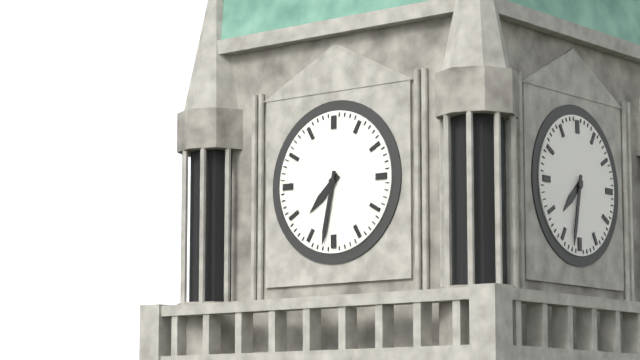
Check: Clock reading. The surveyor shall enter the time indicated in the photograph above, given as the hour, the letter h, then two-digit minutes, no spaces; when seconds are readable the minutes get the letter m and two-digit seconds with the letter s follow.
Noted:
7h32
